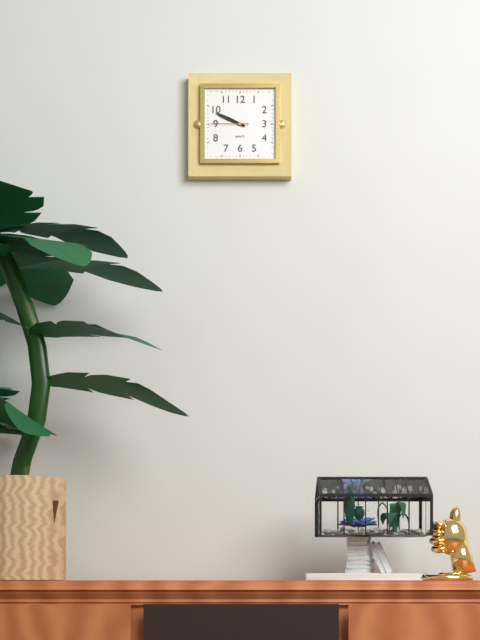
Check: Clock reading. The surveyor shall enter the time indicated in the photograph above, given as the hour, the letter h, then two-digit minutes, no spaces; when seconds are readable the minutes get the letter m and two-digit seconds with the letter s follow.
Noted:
9h49
